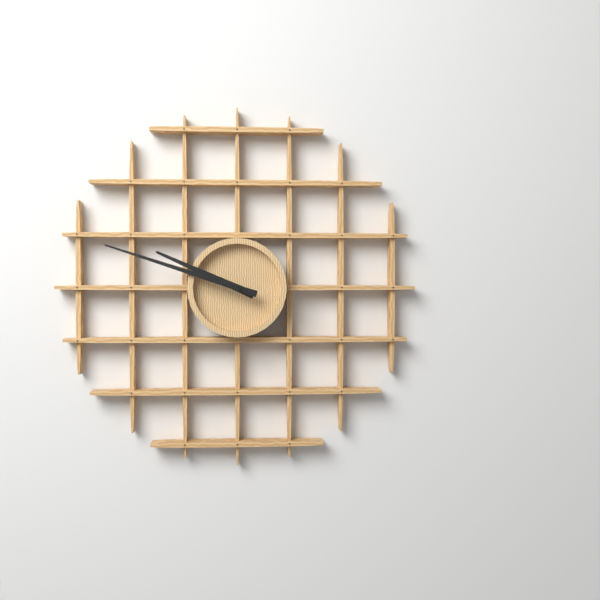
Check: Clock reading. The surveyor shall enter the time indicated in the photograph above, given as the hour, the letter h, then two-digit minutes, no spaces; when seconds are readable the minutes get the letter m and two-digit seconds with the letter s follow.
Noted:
9h48
